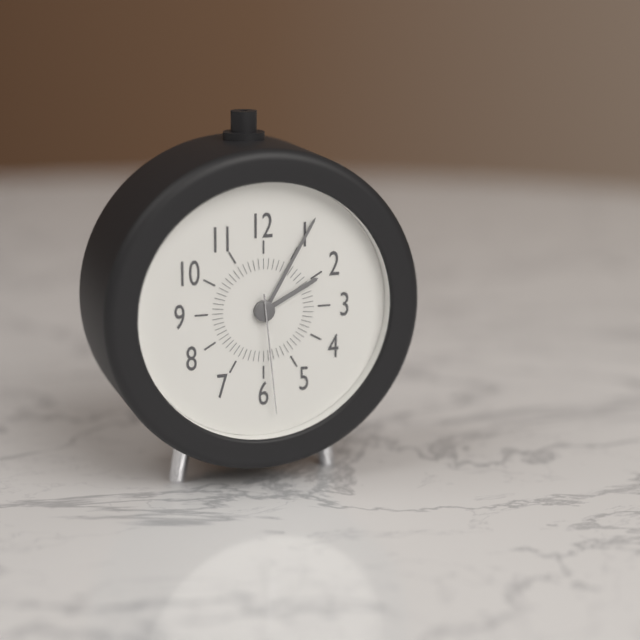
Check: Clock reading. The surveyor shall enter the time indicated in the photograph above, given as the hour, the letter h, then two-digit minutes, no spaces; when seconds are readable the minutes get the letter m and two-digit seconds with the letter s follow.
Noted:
2h05m29s
